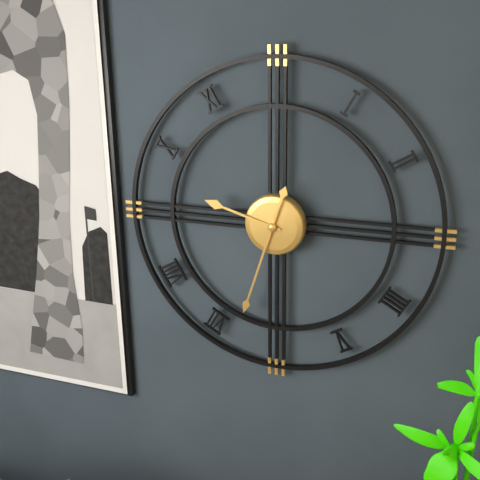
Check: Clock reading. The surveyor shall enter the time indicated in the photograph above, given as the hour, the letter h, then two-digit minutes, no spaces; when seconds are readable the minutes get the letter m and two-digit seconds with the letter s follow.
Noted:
9h33
